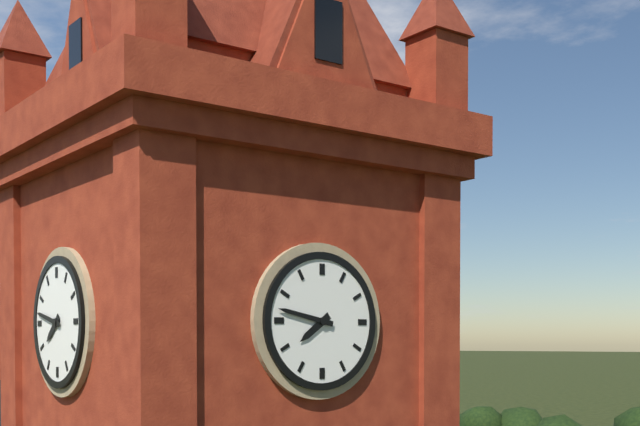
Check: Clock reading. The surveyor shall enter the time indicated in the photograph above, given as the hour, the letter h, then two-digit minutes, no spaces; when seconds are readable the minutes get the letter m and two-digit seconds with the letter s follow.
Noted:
7h47
